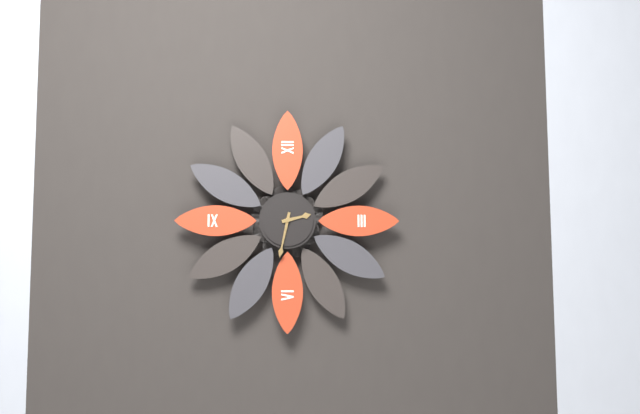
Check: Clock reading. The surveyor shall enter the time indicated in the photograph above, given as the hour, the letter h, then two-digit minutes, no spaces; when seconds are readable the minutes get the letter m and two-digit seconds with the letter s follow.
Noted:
2h32
